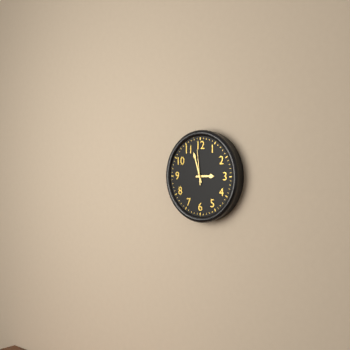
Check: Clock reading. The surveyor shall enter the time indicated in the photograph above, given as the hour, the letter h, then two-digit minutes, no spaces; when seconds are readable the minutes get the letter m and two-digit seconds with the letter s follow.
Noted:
2h57
